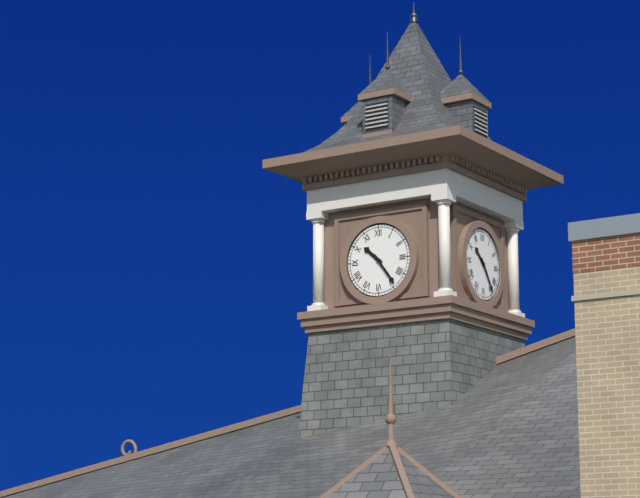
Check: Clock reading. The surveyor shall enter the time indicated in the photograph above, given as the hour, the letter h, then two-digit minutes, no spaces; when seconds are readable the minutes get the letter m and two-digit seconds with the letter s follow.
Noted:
10h24
